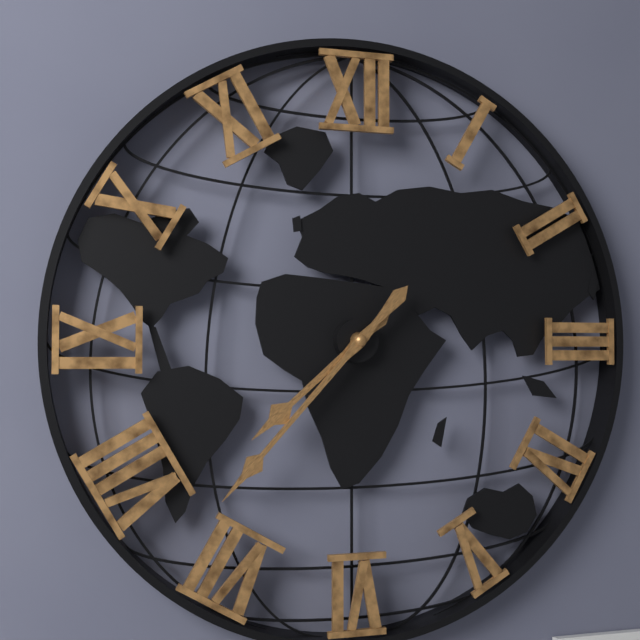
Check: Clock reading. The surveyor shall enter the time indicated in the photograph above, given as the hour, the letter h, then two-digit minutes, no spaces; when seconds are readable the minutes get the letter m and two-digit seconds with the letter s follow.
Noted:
7h37
